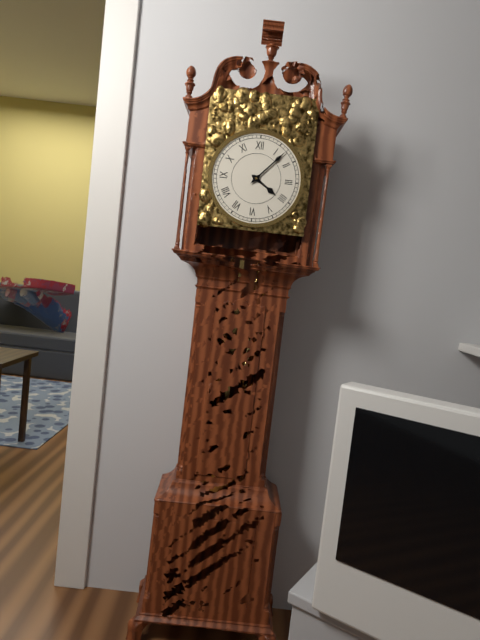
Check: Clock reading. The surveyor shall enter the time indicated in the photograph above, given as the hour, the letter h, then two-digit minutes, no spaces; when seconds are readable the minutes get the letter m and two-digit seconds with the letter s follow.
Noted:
4h07
